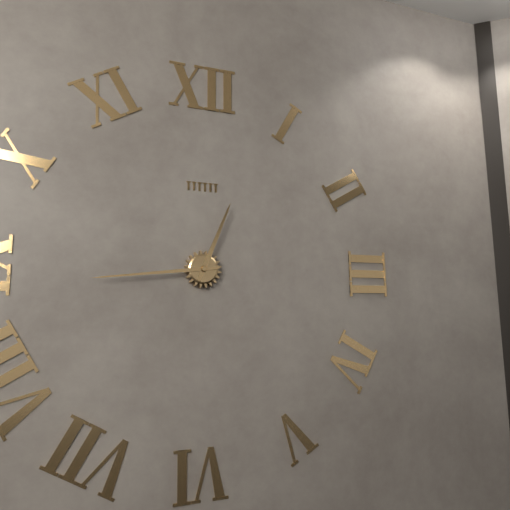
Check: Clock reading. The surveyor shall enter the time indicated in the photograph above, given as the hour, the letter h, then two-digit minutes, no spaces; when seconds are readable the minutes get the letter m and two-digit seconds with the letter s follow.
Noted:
12h44
